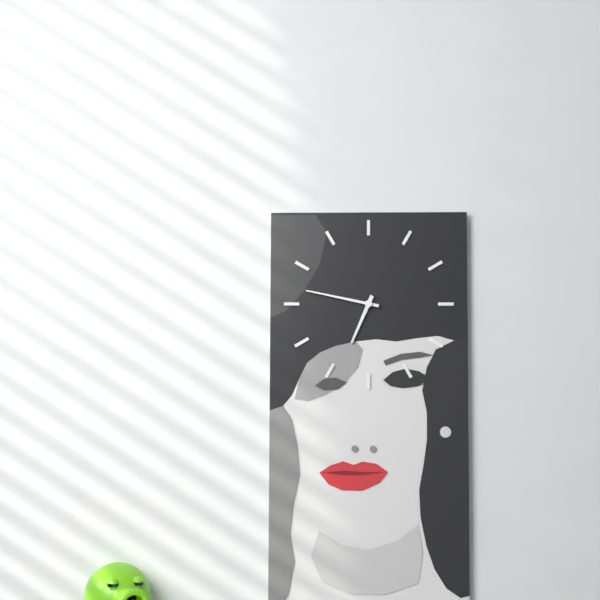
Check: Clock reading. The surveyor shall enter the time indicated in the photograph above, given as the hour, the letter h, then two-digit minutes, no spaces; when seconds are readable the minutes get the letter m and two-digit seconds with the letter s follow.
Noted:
6h47
